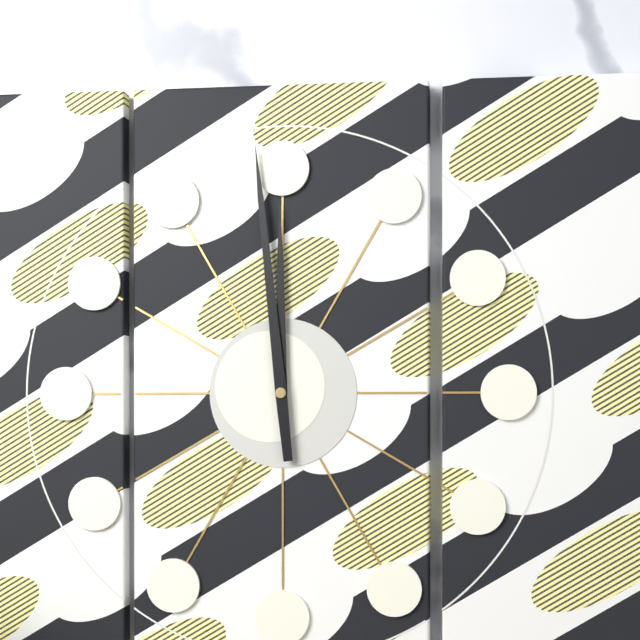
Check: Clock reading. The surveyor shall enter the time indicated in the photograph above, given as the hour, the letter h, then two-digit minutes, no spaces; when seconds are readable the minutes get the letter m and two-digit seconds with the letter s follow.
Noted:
11h59
